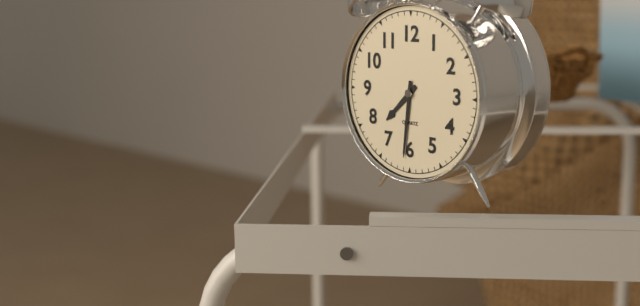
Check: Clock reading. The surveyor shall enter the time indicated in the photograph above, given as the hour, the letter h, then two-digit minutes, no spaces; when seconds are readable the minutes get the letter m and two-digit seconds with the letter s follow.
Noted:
7h31
